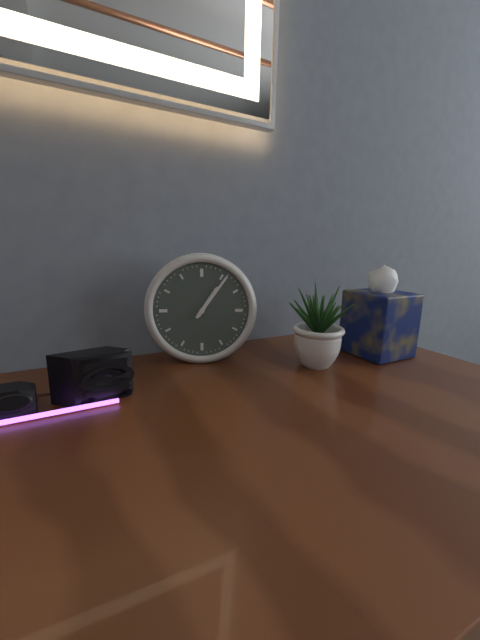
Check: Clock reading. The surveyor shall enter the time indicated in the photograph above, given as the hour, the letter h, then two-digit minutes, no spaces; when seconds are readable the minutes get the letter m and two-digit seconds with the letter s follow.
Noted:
1h06
